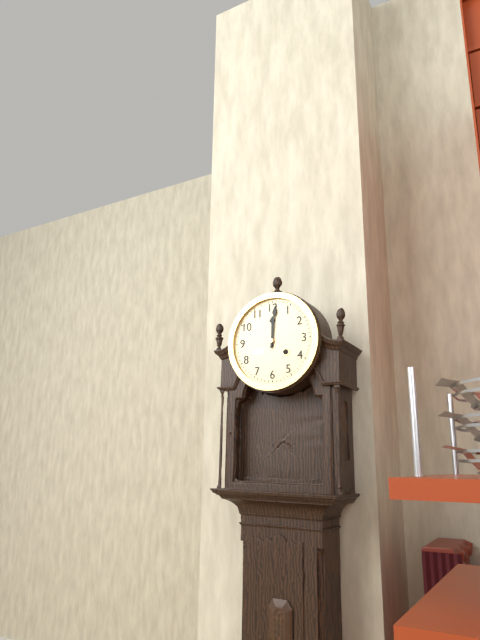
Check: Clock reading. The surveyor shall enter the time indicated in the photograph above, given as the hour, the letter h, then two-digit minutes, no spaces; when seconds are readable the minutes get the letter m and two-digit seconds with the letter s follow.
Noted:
12h01
